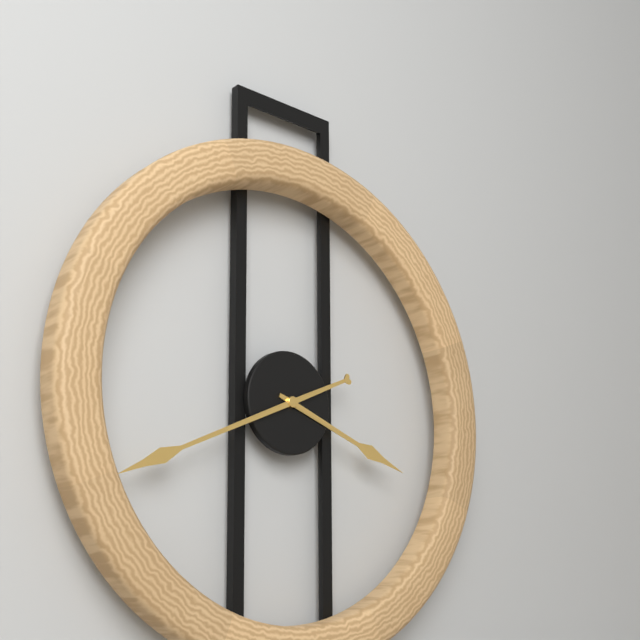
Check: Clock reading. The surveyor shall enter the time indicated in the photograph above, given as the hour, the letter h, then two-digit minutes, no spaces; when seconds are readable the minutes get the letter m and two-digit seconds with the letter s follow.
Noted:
3h41
